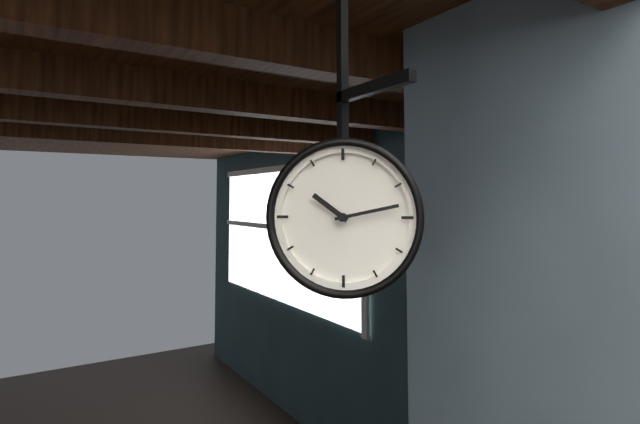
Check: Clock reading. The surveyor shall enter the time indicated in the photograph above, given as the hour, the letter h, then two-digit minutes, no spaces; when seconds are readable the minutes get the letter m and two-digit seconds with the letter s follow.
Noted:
10h13
